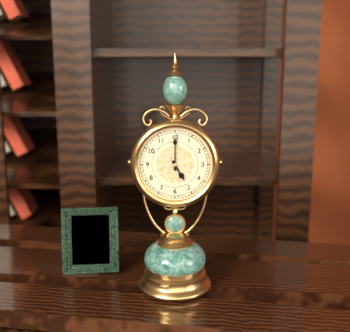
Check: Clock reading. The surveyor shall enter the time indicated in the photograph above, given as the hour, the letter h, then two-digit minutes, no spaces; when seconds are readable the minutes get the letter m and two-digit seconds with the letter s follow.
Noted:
5h00
